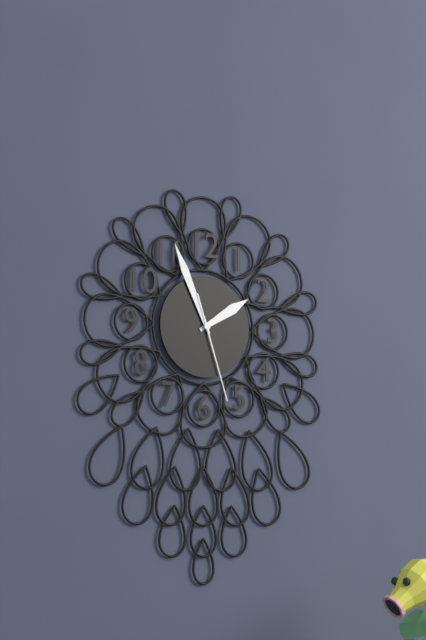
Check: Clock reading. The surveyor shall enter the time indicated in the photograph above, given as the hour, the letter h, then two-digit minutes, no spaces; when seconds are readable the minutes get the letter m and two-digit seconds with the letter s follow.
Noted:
1h56m27s
